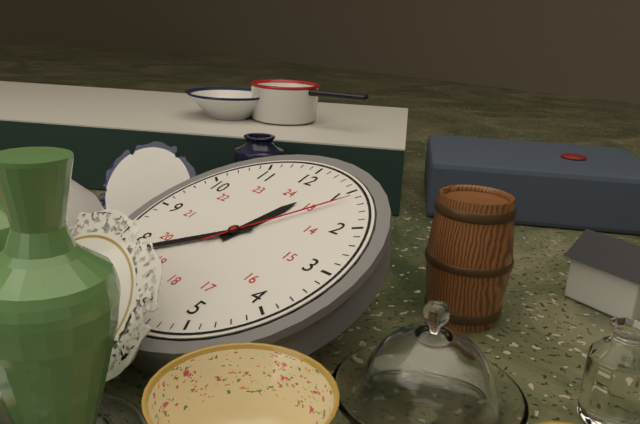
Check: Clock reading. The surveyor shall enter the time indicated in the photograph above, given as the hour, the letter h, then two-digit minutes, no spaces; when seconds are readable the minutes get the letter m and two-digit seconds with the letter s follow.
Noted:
12h38m06s
